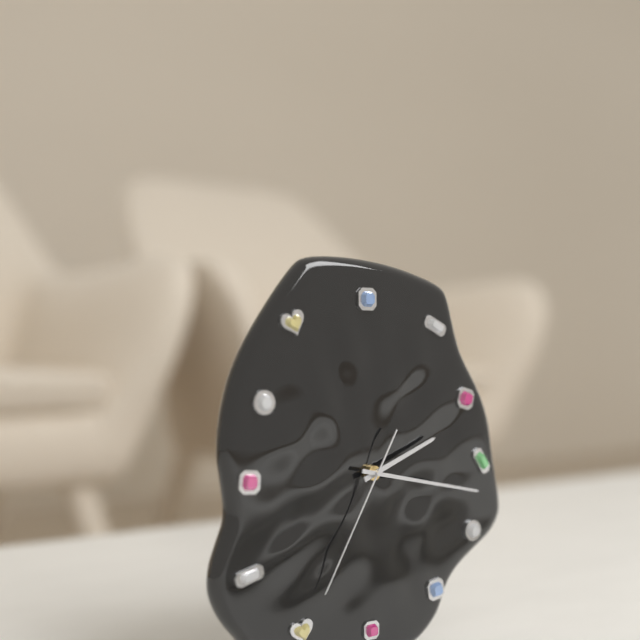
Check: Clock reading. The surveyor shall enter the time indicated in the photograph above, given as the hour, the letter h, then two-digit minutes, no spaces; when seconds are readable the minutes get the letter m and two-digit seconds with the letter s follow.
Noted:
2h17m35s
